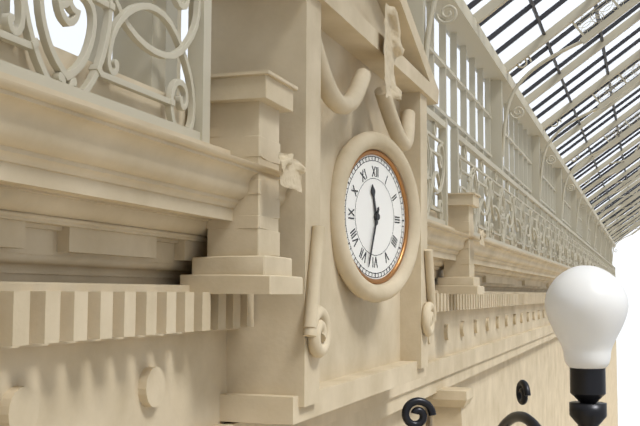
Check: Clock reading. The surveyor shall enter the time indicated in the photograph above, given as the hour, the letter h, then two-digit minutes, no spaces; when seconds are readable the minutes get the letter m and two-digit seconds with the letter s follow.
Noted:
11h33
